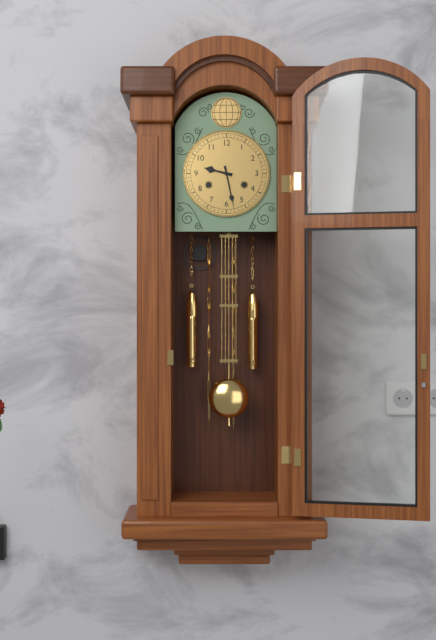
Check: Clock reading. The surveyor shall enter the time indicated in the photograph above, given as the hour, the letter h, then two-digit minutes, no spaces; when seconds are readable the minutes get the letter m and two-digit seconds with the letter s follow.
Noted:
9h28
